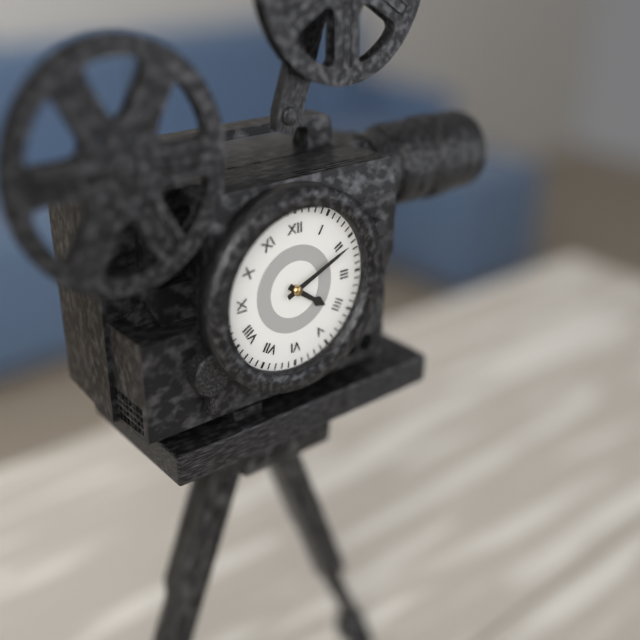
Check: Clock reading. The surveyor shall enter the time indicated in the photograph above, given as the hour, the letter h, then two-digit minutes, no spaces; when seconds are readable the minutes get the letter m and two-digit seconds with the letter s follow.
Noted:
4h11
